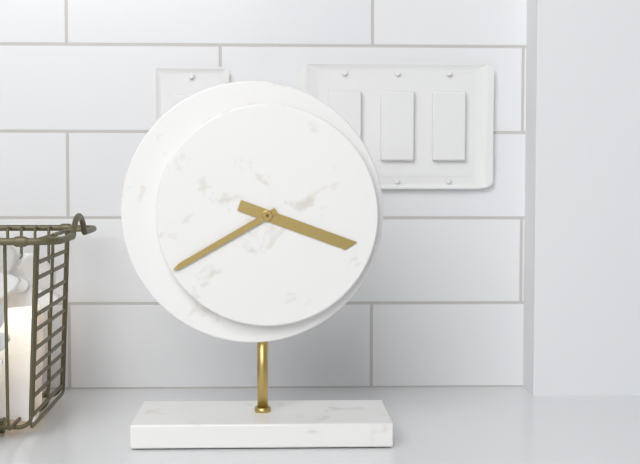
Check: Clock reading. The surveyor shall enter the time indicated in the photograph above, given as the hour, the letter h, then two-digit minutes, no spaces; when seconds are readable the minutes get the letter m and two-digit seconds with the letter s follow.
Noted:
3h40
